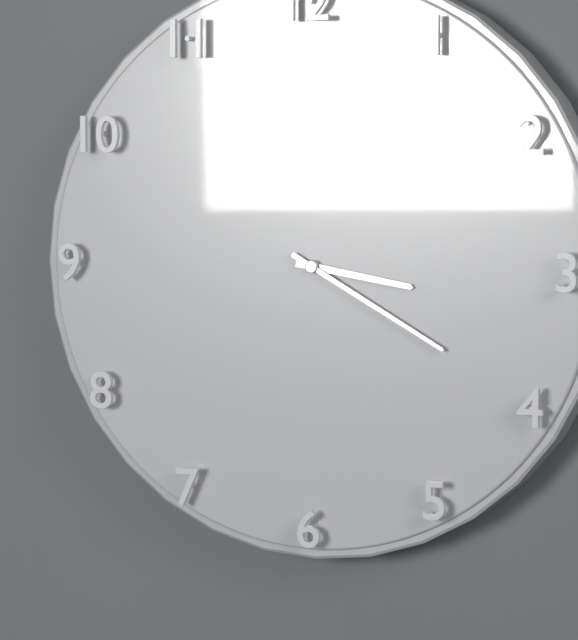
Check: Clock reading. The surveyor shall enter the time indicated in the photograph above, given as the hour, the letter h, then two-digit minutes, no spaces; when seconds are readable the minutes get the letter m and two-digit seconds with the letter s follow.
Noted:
3h20
